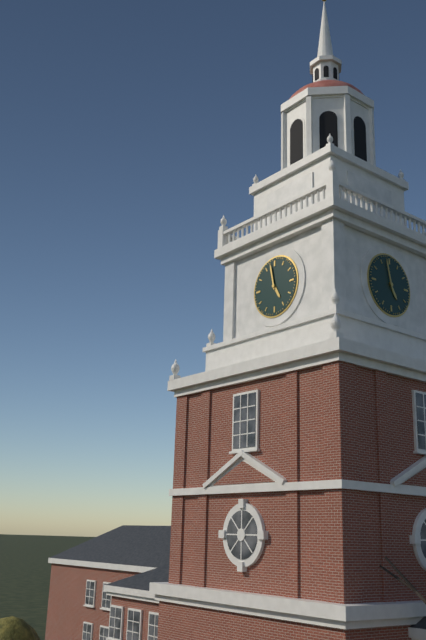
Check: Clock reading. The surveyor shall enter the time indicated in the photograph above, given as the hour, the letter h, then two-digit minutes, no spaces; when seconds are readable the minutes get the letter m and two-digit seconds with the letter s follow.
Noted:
4h58
